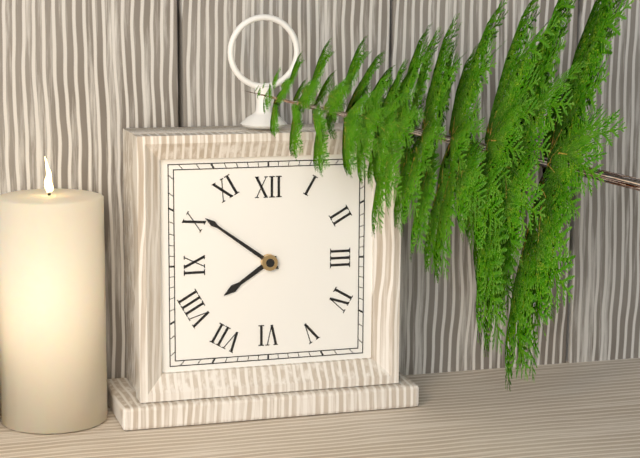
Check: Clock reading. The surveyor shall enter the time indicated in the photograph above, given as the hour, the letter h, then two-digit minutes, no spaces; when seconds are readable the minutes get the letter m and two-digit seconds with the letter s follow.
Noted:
7h51
